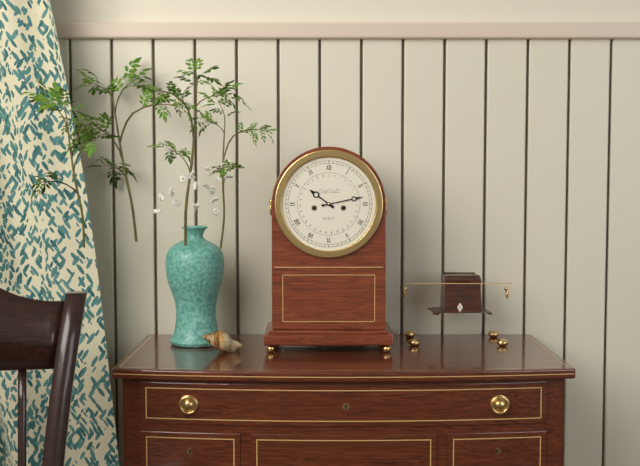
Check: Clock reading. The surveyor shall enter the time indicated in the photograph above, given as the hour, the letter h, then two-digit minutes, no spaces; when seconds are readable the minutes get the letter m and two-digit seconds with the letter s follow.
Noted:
10h13
